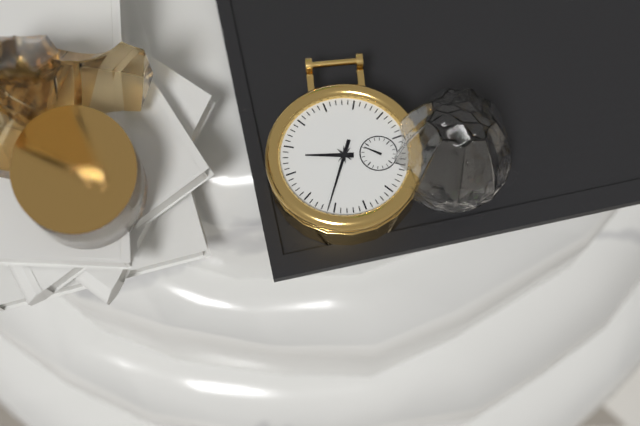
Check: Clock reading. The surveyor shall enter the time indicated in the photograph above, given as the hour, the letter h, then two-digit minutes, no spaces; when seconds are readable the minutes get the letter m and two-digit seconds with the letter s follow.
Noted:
10h41
